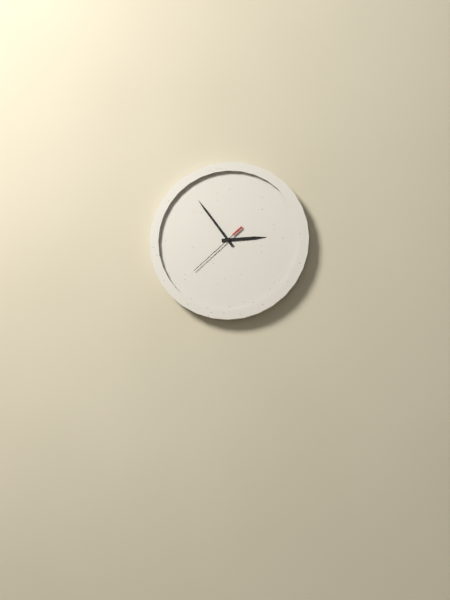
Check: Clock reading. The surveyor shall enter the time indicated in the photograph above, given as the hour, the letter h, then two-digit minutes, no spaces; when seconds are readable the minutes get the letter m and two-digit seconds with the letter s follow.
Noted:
2h54m38s
